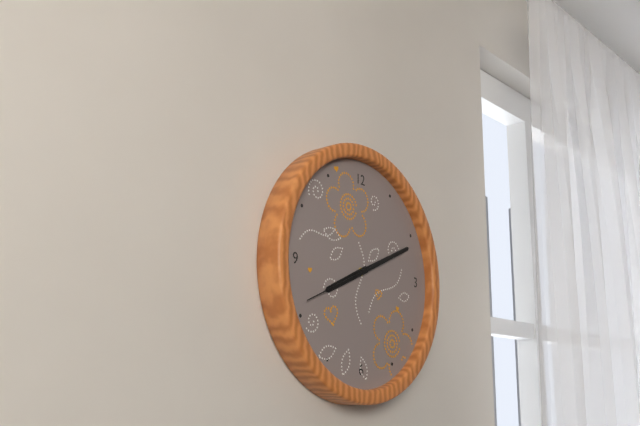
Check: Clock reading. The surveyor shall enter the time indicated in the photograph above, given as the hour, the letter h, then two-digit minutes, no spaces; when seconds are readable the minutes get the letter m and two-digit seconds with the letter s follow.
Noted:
8h11m41s
